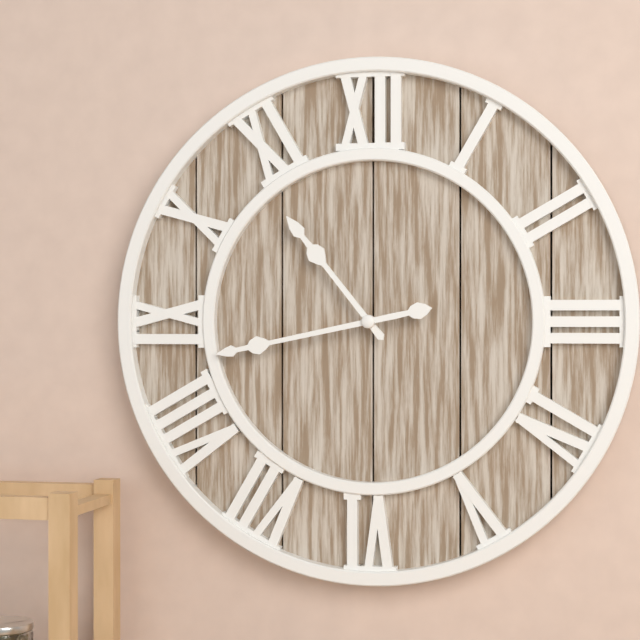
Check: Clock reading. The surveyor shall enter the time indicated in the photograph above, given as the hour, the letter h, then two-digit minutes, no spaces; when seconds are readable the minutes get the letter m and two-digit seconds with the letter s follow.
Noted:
10h43
